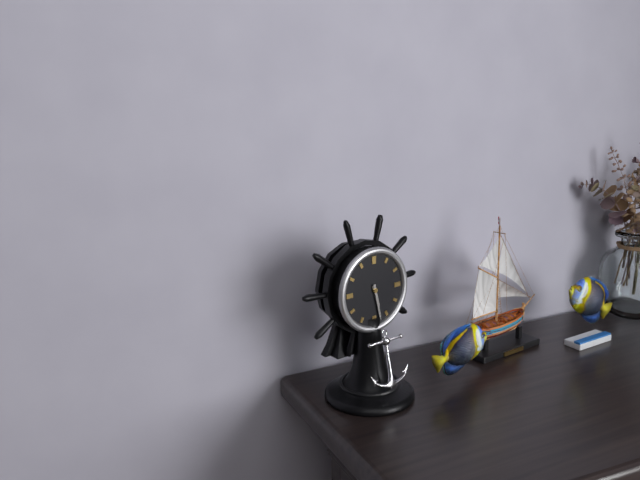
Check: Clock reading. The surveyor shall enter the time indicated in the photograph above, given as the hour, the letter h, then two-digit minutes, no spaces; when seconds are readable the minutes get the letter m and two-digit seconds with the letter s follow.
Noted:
5h28
